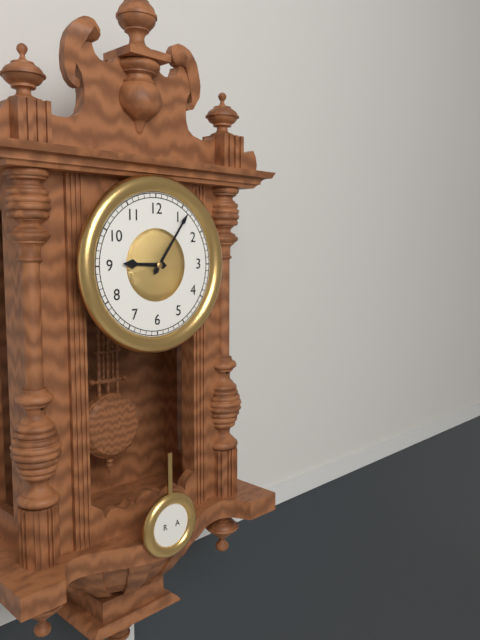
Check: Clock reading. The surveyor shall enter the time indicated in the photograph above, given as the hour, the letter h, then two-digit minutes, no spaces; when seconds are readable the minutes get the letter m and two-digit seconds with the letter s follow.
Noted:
9h06
